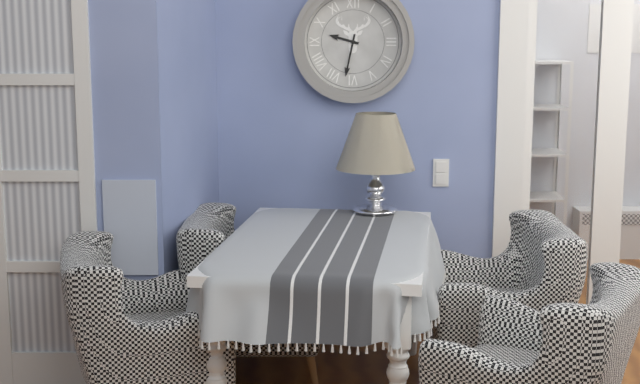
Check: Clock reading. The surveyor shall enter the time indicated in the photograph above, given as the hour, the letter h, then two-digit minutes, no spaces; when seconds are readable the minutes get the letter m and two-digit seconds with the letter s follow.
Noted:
9h32
